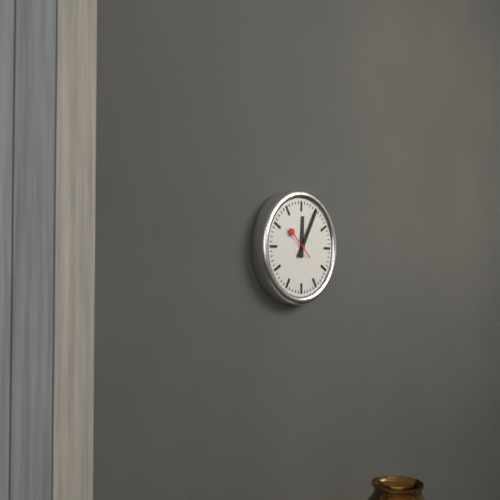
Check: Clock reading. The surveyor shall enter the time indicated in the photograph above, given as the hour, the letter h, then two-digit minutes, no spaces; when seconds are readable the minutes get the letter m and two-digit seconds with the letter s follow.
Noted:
12h05
